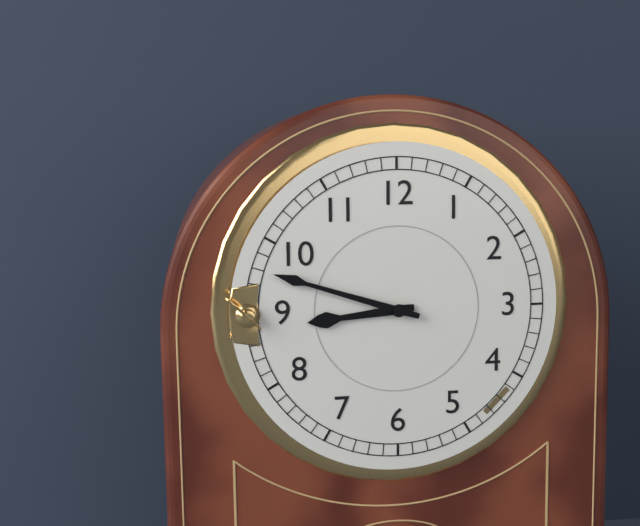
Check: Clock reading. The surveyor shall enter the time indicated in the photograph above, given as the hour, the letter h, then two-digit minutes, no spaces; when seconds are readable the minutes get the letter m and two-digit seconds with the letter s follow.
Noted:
8h48
